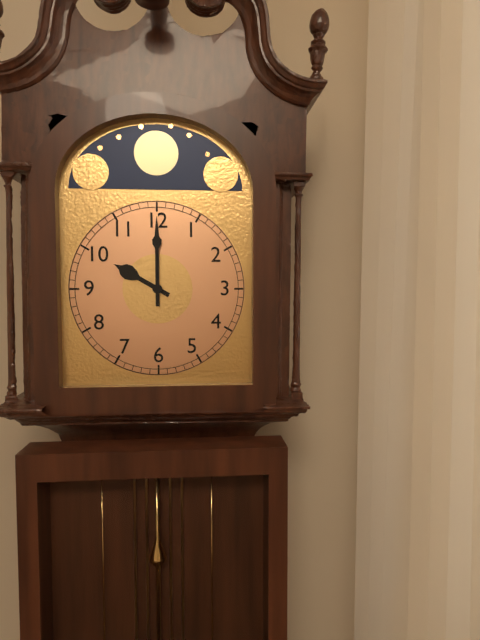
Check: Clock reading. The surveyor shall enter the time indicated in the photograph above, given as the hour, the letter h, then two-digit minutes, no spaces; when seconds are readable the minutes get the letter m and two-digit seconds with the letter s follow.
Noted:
10h00
